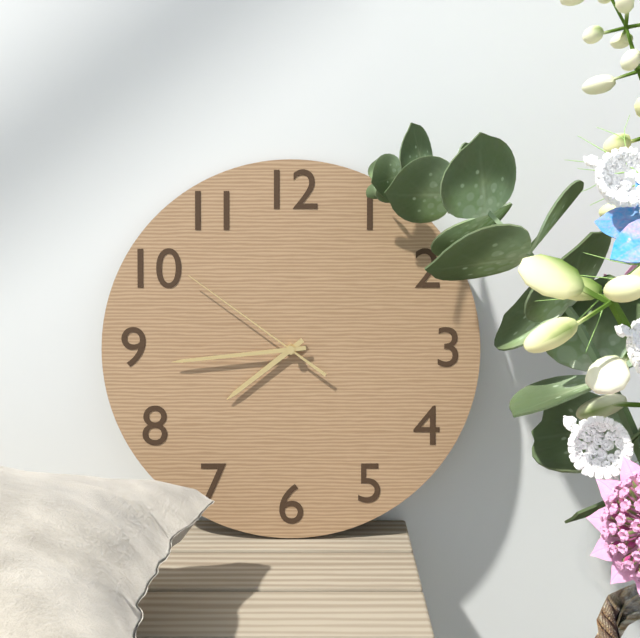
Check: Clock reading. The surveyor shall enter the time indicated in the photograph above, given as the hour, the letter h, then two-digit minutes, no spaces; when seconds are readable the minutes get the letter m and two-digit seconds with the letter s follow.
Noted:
7h44m51s
